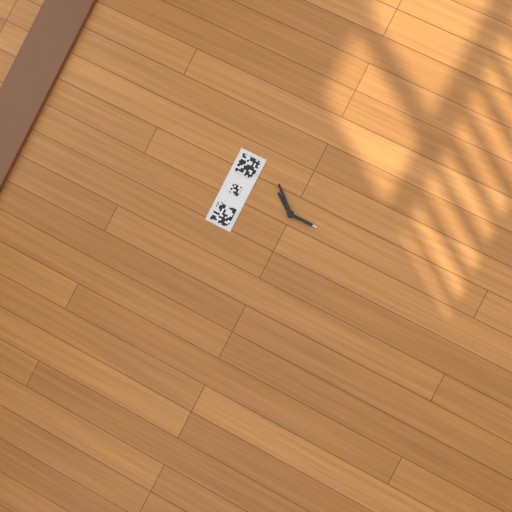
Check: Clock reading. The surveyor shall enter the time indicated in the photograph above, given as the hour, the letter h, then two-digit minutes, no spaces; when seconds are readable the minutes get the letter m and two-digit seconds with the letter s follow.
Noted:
1h07
